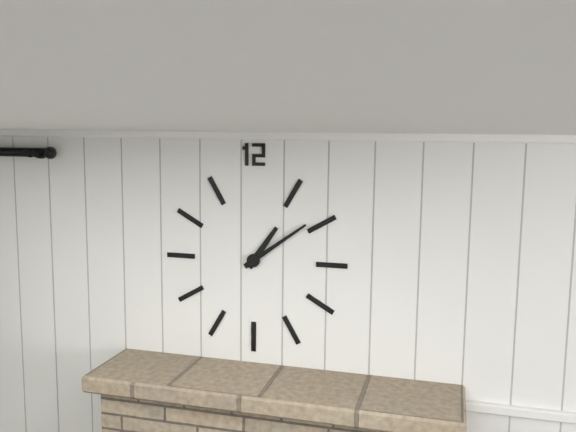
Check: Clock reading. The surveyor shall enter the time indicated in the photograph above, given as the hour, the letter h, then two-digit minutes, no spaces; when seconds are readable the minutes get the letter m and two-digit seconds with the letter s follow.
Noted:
1h09
